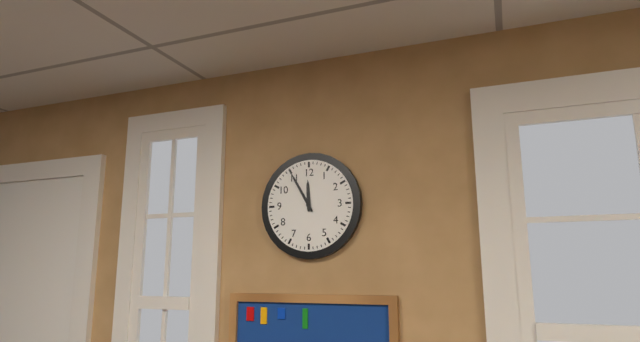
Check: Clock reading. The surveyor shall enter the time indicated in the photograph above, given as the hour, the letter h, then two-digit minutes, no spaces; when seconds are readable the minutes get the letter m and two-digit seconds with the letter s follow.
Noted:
11h55
